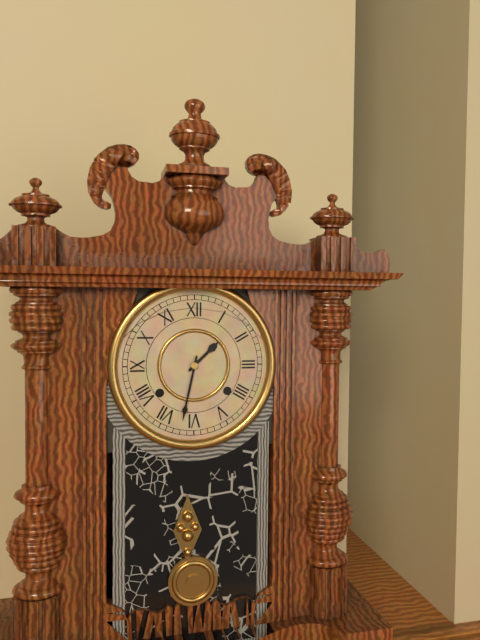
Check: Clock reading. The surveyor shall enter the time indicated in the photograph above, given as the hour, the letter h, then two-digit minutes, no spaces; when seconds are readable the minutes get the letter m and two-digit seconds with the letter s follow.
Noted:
1h32
